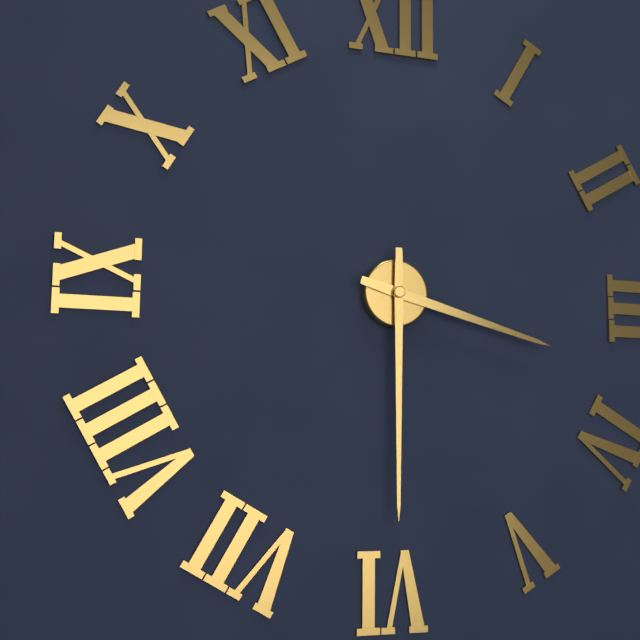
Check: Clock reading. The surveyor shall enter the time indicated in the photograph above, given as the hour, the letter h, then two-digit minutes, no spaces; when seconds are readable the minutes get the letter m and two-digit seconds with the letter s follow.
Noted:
3h30
